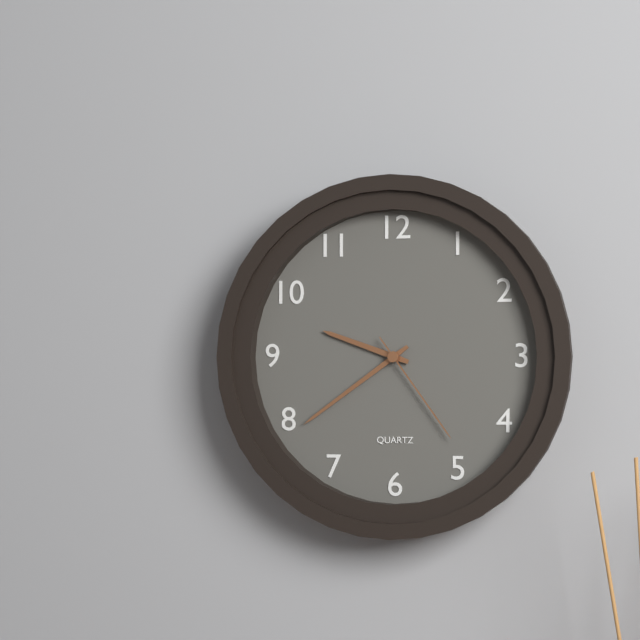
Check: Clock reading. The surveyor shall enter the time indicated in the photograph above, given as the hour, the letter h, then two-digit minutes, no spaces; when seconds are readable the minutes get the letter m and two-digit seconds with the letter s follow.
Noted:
9h39m24s
